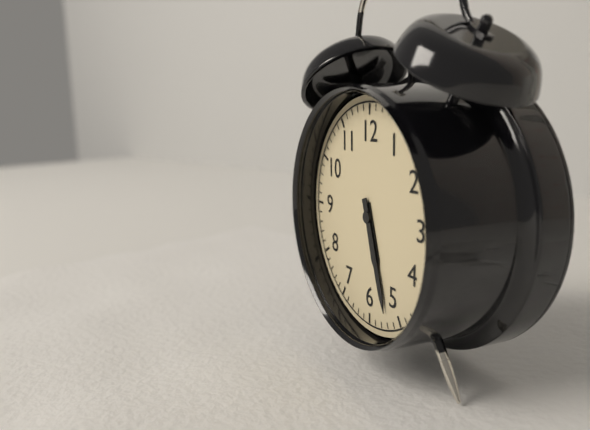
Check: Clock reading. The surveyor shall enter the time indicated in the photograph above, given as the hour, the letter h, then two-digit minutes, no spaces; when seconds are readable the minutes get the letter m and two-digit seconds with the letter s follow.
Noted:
5h27
